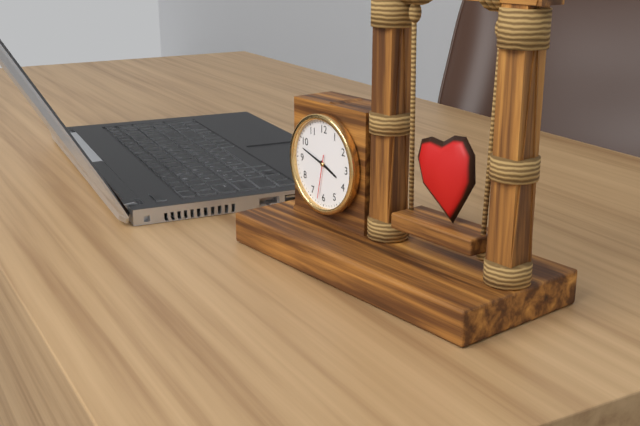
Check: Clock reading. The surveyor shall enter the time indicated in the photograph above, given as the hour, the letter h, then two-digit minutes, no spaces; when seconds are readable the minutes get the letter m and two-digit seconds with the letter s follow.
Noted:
3h48
